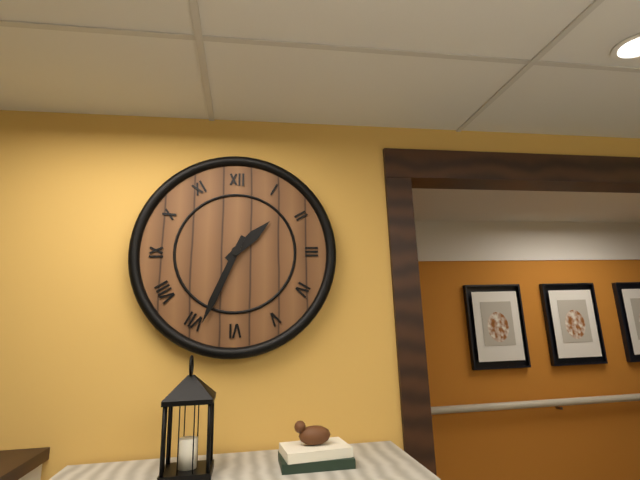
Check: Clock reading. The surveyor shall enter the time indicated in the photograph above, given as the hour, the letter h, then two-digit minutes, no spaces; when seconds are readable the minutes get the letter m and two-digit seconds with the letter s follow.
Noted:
1h34
